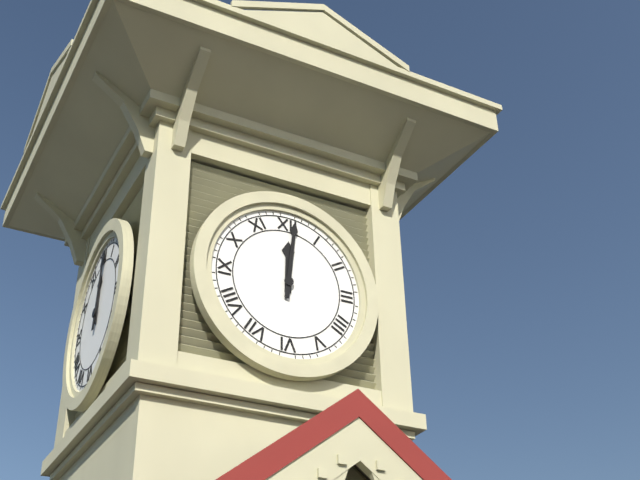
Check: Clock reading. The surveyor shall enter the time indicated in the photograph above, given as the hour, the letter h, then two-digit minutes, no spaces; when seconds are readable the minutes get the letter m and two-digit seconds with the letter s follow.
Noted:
12h01
